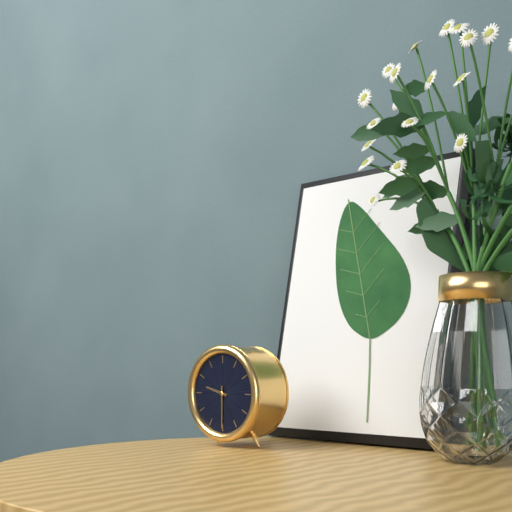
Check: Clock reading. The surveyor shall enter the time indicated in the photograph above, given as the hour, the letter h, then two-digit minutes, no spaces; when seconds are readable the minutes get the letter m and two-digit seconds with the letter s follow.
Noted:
9h30
